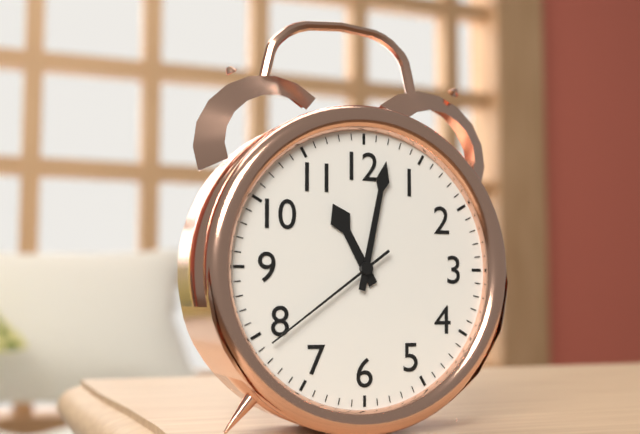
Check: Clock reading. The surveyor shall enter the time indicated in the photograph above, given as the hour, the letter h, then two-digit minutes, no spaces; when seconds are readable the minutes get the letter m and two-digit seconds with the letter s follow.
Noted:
11h02m39s
